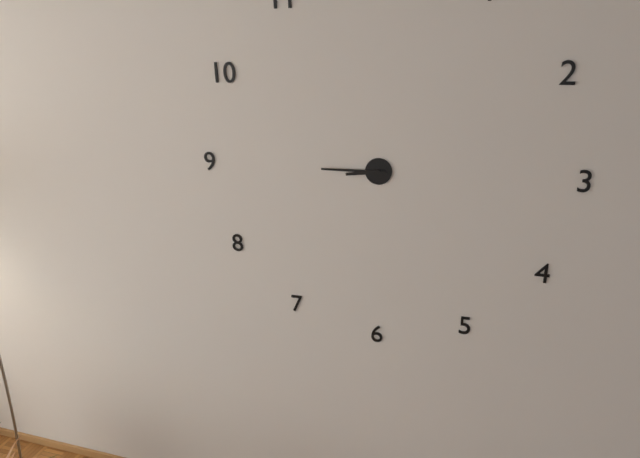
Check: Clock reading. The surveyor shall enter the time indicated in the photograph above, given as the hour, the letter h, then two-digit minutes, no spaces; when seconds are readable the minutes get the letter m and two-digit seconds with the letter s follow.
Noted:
8h45
